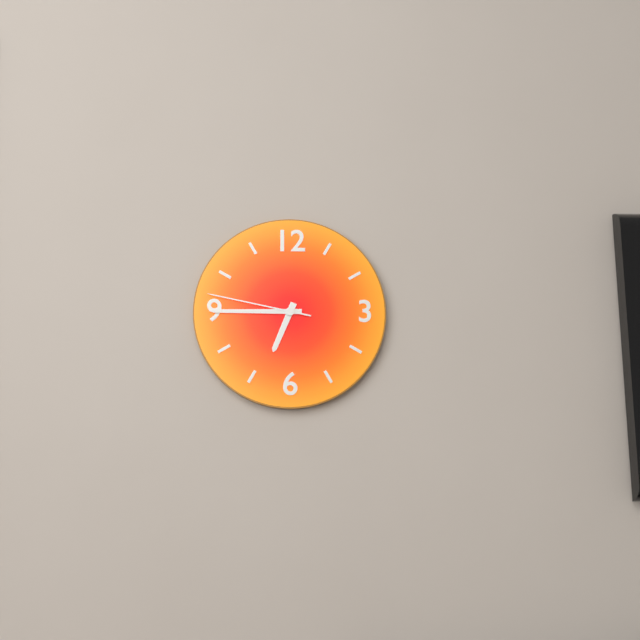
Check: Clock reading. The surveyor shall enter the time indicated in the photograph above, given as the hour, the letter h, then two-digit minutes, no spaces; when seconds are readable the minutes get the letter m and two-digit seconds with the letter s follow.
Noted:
6h45m47s
